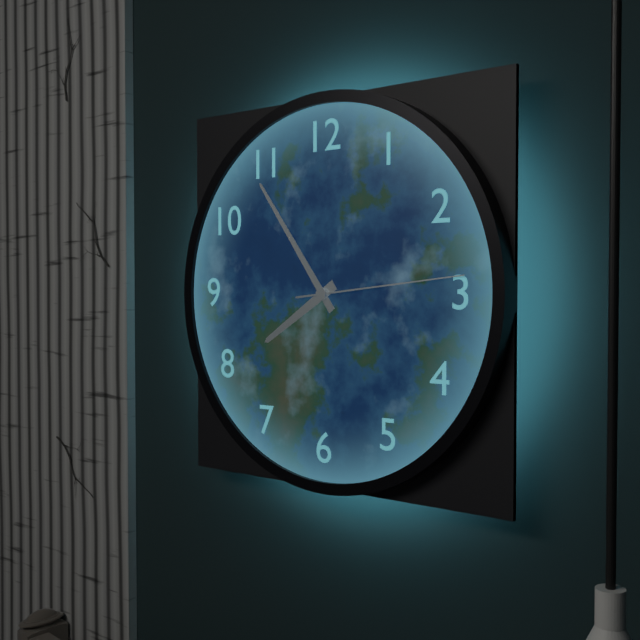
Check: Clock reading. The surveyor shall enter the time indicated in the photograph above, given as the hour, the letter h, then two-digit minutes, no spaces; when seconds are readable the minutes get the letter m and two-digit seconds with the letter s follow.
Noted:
7h54m14s
